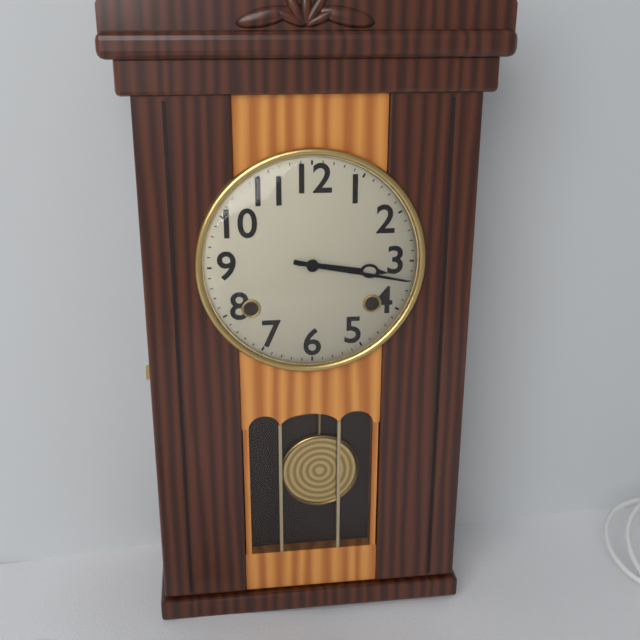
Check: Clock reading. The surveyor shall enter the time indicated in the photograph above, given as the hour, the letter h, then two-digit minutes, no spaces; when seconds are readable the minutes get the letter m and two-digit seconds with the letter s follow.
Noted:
3h17
